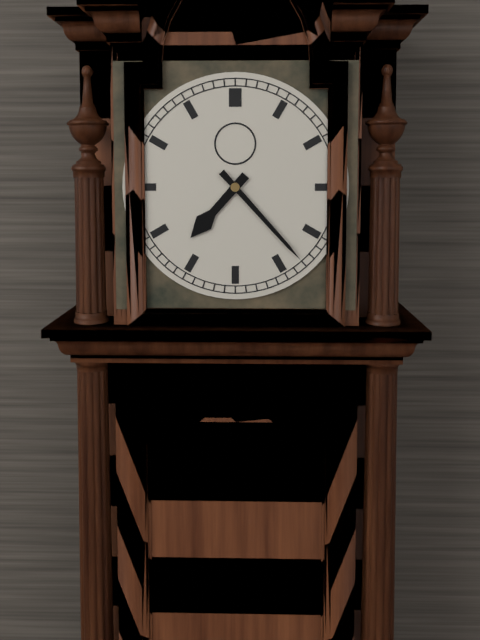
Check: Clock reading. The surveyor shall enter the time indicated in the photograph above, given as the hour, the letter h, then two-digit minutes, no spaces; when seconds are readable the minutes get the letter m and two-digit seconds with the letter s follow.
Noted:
7h23
